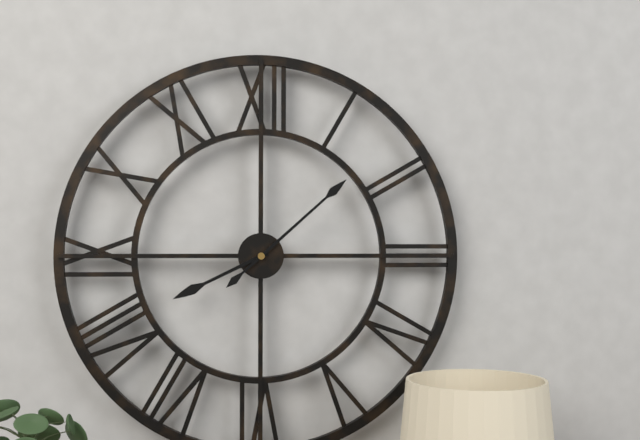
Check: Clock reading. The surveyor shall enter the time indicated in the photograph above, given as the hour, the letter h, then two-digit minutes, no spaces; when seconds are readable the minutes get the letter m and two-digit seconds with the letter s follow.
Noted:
8h08
